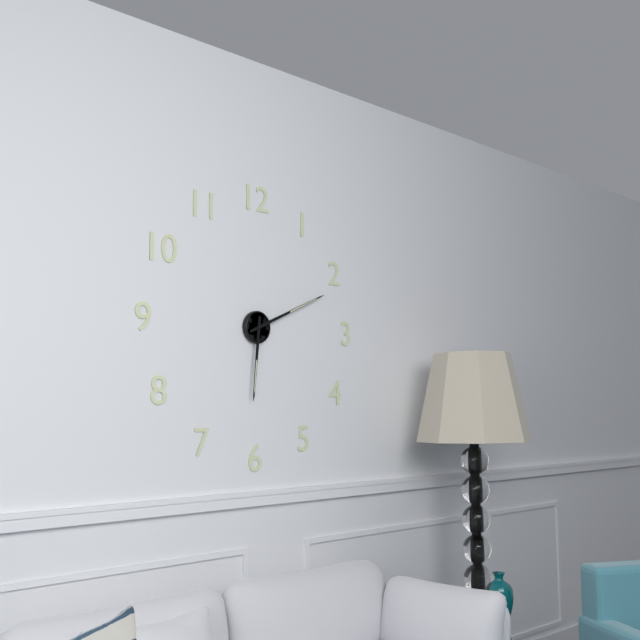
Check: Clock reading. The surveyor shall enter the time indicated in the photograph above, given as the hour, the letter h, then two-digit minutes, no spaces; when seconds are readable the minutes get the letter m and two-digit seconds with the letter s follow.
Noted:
6h11
